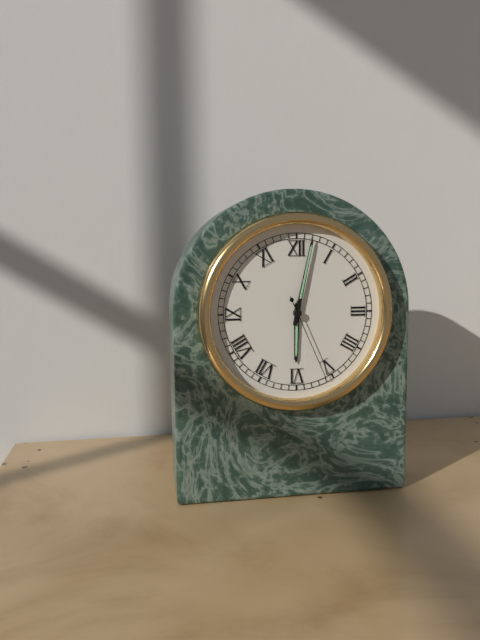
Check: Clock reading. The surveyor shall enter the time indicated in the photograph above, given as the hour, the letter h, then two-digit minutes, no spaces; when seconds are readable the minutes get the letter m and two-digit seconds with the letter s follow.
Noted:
6h02m26s
